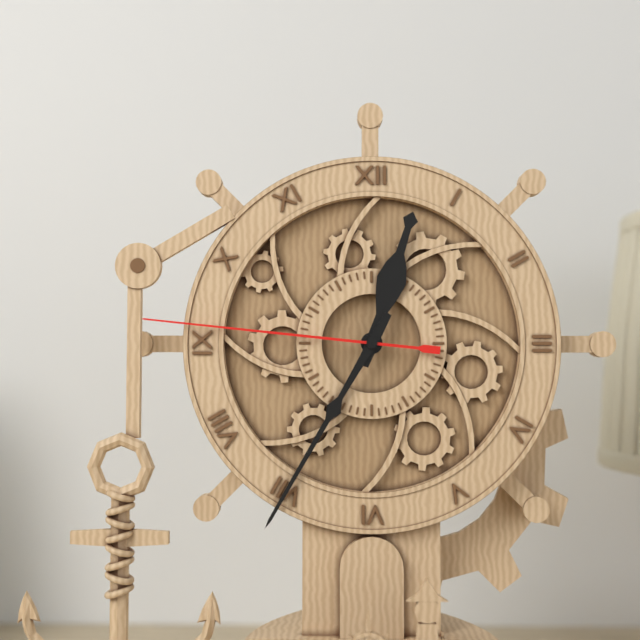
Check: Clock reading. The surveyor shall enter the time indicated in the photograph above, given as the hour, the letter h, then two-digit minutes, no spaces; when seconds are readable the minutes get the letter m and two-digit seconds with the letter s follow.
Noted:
12h35m46s
